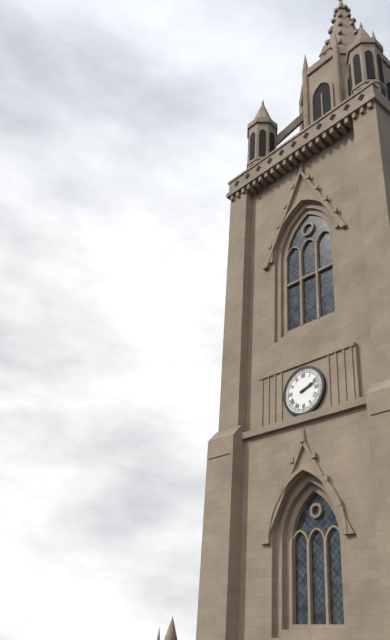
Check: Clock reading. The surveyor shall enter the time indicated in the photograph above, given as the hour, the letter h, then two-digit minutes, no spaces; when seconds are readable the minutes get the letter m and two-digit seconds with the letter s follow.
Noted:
2h12
